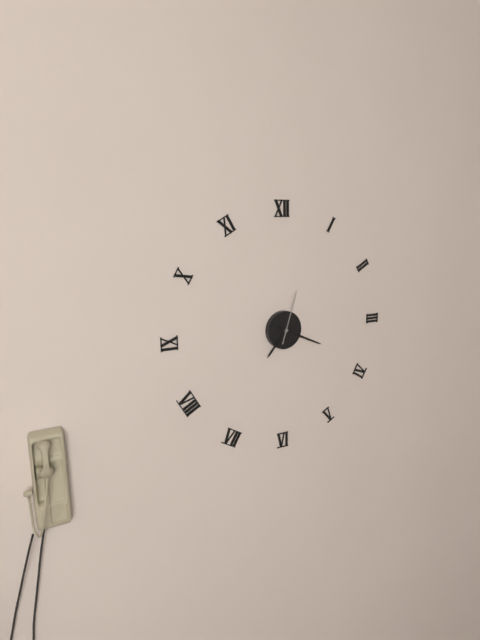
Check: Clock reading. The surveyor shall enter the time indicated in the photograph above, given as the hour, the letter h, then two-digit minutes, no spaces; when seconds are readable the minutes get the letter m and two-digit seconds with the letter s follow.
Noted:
7h19m03s
